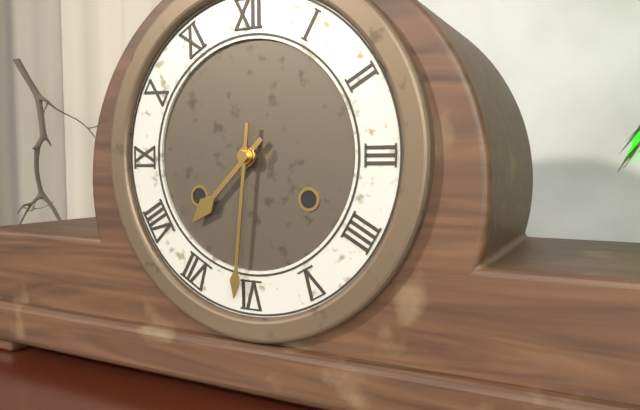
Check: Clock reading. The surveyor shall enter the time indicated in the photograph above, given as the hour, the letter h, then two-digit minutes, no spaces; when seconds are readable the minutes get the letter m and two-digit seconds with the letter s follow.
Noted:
7h31
